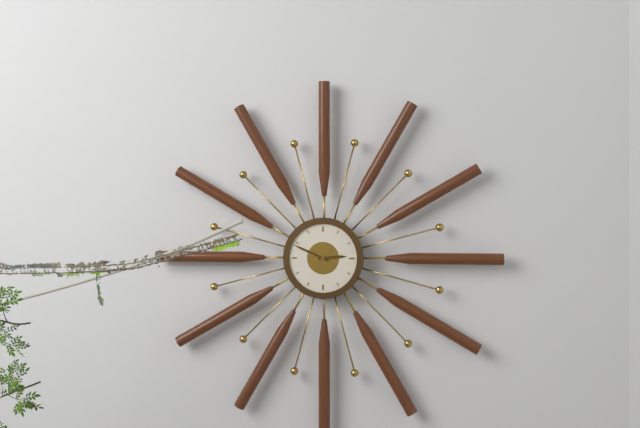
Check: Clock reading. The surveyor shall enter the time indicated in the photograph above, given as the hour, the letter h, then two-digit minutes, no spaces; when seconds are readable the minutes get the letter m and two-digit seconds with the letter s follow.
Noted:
2h49
